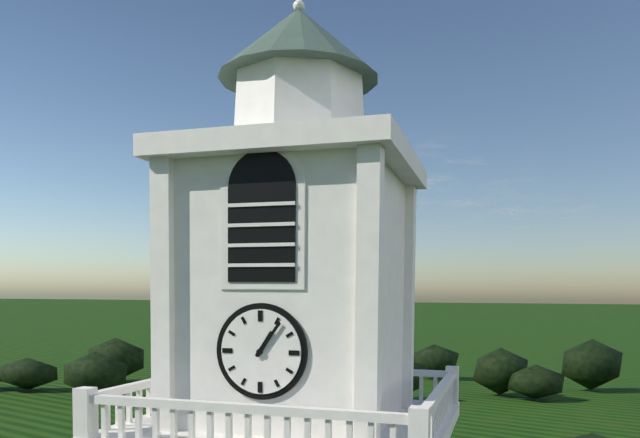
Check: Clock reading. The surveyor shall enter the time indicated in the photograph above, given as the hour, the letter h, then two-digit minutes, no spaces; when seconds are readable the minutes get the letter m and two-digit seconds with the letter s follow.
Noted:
1h06
